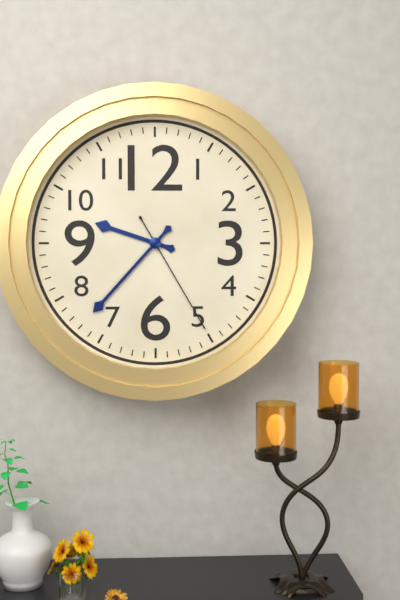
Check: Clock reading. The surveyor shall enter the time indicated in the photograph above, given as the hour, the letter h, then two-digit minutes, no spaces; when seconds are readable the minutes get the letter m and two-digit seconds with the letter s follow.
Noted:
9h37m25s
